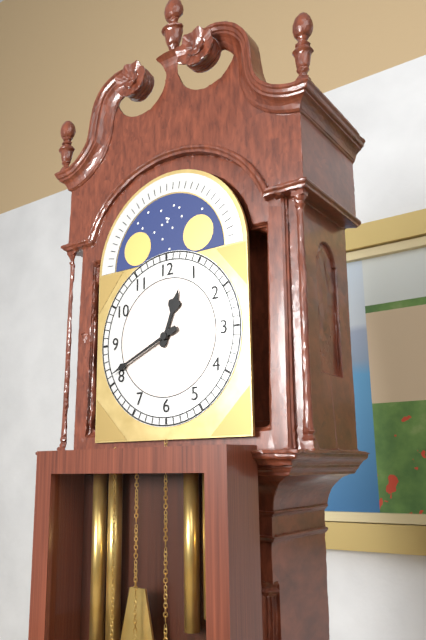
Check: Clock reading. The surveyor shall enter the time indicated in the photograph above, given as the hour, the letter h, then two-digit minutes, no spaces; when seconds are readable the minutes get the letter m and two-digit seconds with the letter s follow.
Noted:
12h41
